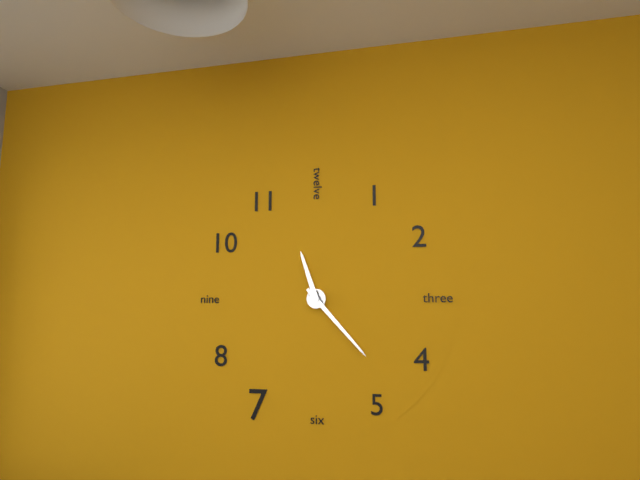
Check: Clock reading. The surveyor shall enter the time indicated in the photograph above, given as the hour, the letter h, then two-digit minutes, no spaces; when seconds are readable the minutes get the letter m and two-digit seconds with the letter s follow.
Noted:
11h23
